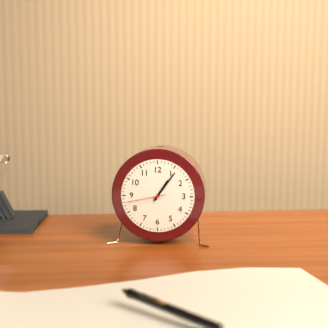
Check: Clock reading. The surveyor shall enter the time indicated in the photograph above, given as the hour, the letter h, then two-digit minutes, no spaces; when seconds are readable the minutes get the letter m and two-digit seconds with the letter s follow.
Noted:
1h06
